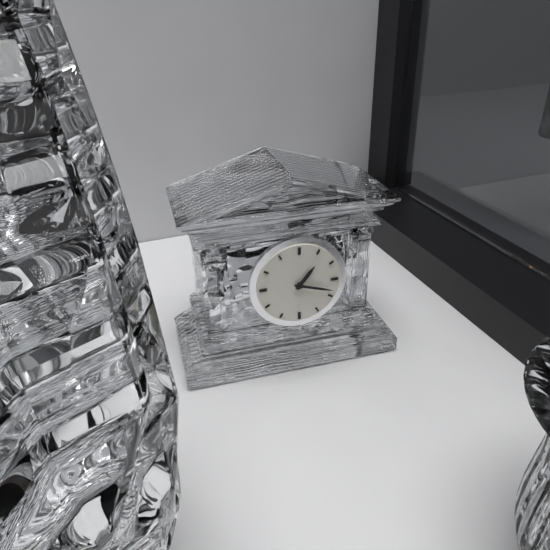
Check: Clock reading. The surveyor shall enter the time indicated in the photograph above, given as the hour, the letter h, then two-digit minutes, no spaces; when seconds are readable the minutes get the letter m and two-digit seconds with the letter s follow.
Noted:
1h18
